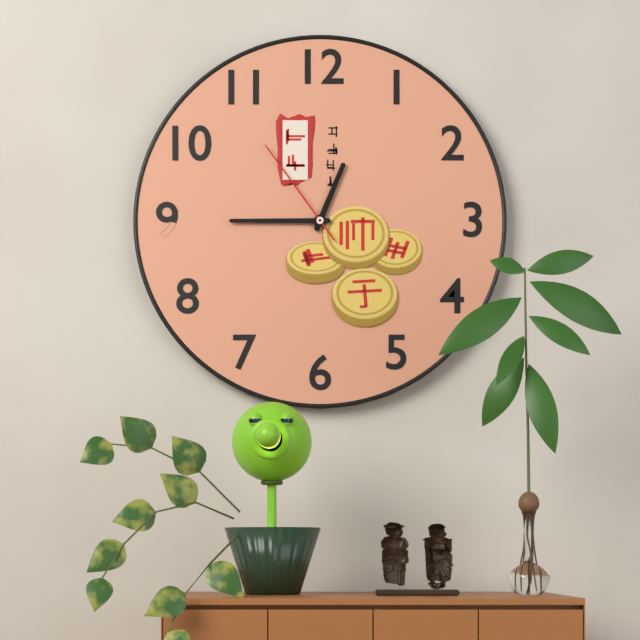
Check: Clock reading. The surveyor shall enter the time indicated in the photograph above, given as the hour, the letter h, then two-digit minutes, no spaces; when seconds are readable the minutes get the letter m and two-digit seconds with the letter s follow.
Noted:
12h45m54s
